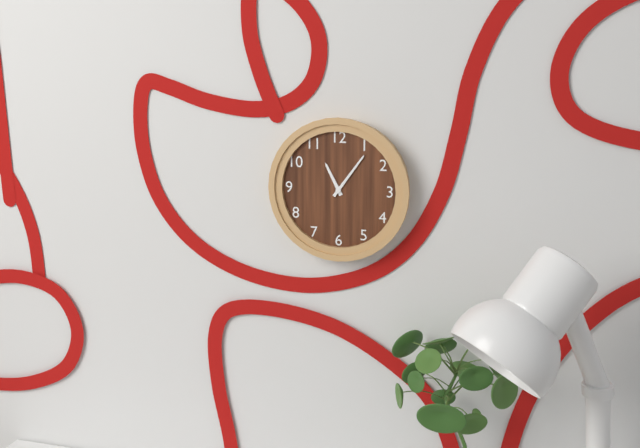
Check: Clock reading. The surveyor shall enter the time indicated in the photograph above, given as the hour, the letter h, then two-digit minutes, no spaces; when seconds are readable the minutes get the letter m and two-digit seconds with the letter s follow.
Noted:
11h06
